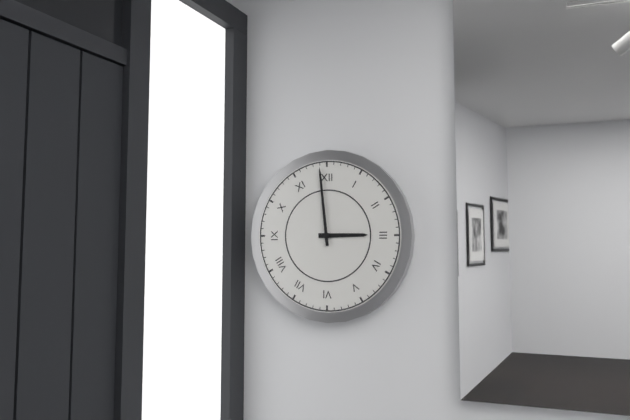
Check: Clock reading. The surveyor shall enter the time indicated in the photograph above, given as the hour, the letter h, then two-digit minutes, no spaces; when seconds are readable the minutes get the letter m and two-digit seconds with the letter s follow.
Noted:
2h59
